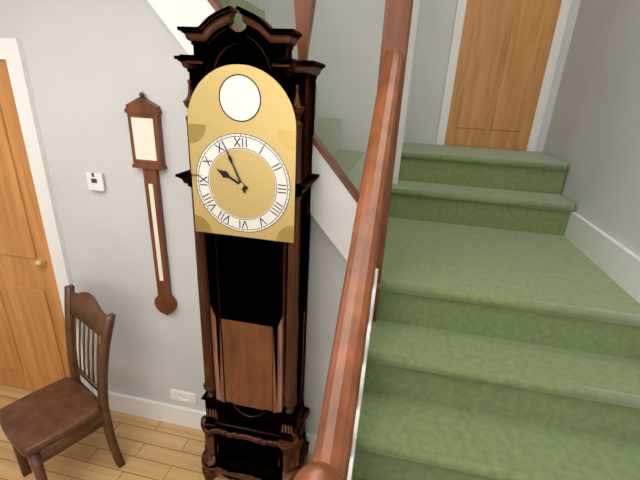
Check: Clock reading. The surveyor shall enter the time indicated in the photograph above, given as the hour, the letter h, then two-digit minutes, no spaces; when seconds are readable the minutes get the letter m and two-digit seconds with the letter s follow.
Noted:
9h56
